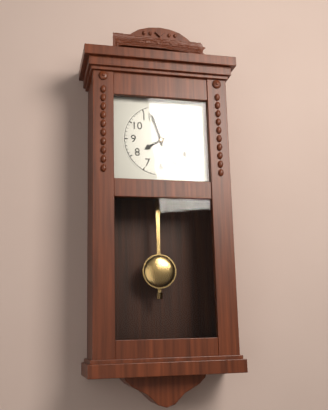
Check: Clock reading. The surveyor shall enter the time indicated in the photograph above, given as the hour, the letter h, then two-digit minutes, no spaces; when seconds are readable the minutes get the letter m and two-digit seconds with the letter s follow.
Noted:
7h57
